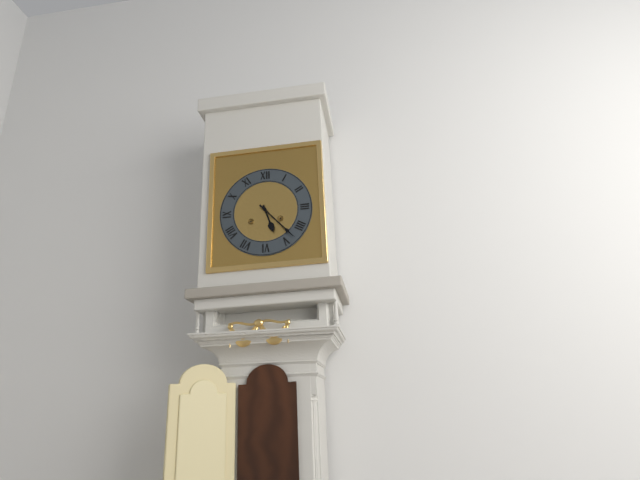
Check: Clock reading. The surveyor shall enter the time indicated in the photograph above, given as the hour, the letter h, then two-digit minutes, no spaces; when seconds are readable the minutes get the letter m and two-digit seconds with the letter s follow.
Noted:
5h23
